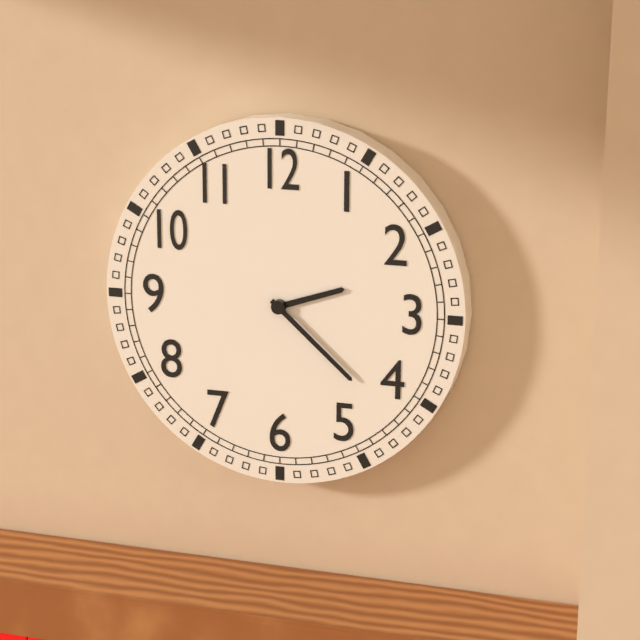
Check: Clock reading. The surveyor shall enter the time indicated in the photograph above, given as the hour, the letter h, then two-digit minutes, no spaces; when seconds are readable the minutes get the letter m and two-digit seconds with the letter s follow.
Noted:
2h22
